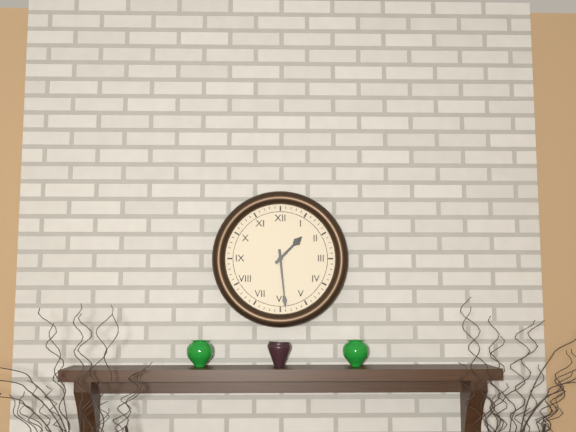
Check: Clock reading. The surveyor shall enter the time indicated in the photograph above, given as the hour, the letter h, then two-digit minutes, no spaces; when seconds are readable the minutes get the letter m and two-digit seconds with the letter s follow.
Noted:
1h29
